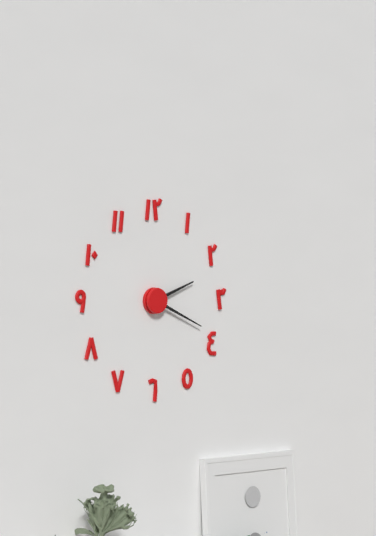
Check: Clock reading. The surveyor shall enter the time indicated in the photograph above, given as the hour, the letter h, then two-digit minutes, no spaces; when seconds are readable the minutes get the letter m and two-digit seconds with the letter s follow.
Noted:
2h19
